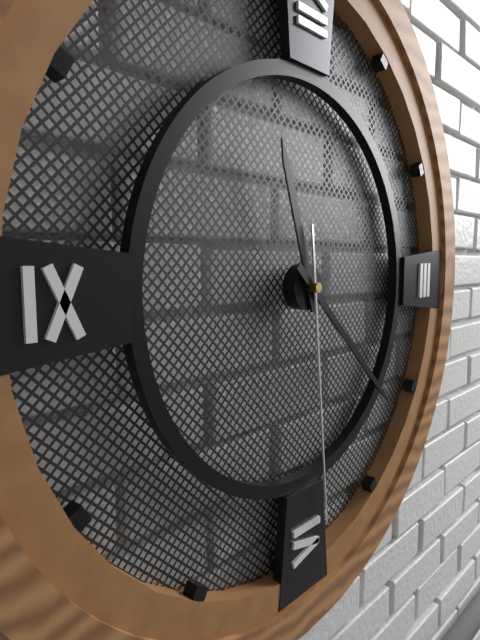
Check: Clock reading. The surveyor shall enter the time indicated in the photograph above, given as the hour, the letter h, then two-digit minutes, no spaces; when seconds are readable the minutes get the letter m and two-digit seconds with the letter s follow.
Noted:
11h22m29s
